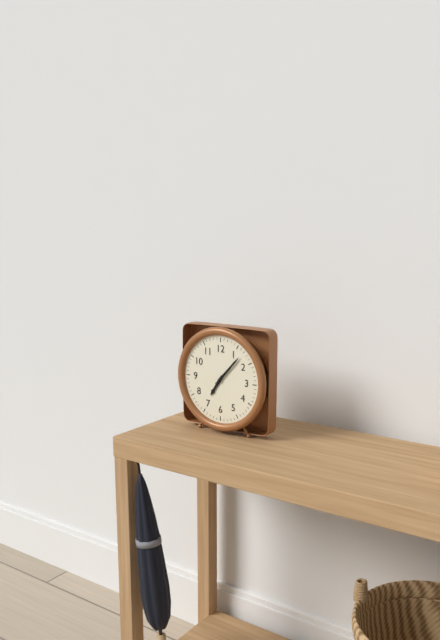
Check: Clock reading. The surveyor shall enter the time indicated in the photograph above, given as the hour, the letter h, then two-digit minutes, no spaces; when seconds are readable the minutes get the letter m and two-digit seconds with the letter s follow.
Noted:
7h07
